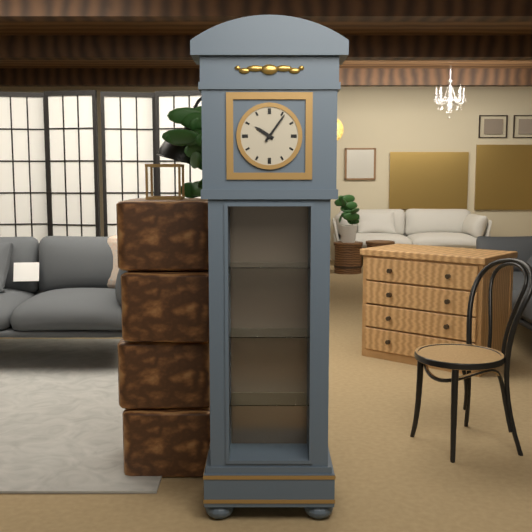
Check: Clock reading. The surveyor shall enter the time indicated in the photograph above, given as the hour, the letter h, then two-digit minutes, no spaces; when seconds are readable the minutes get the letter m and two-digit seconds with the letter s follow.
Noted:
10h06
